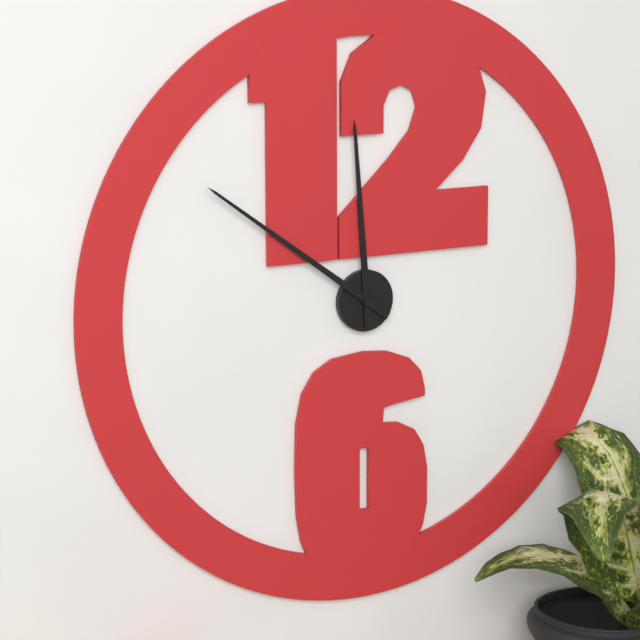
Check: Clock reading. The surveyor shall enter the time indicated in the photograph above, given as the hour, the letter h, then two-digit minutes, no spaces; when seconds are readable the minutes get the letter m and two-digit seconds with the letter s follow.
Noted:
11h51
